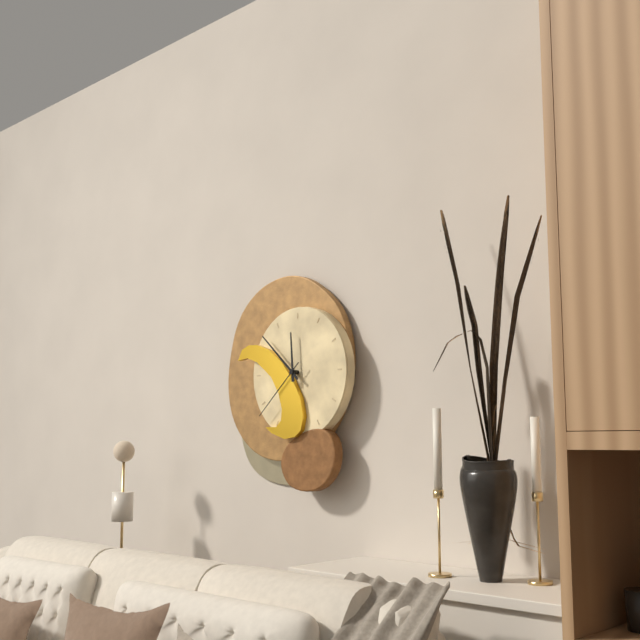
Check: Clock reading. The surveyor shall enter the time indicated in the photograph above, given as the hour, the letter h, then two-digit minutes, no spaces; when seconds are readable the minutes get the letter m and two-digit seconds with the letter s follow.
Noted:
11h52m38s
